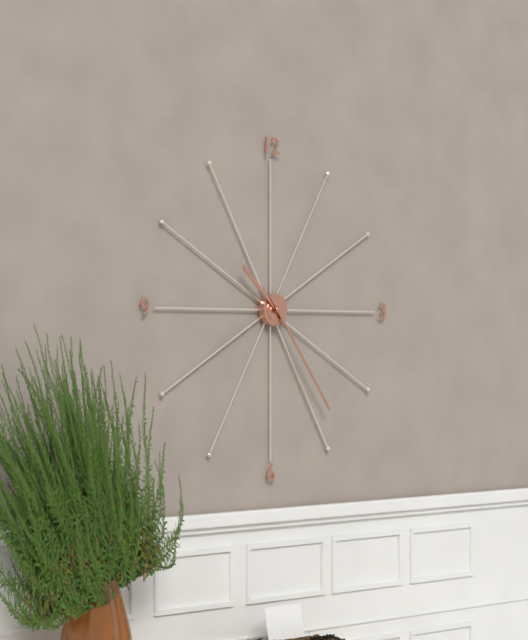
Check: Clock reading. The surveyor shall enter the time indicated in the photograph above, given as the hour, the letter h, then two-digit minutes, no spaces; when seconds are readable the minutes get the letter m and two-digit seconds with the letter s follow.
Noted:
10h24
